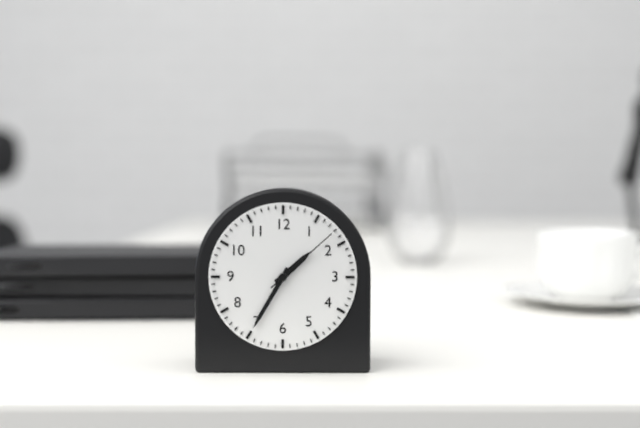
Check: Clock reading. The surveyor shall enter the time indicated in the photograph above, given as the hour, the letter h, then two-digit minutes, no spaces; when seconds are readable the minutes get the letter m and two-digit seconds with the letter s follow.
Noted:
1h35m08s
